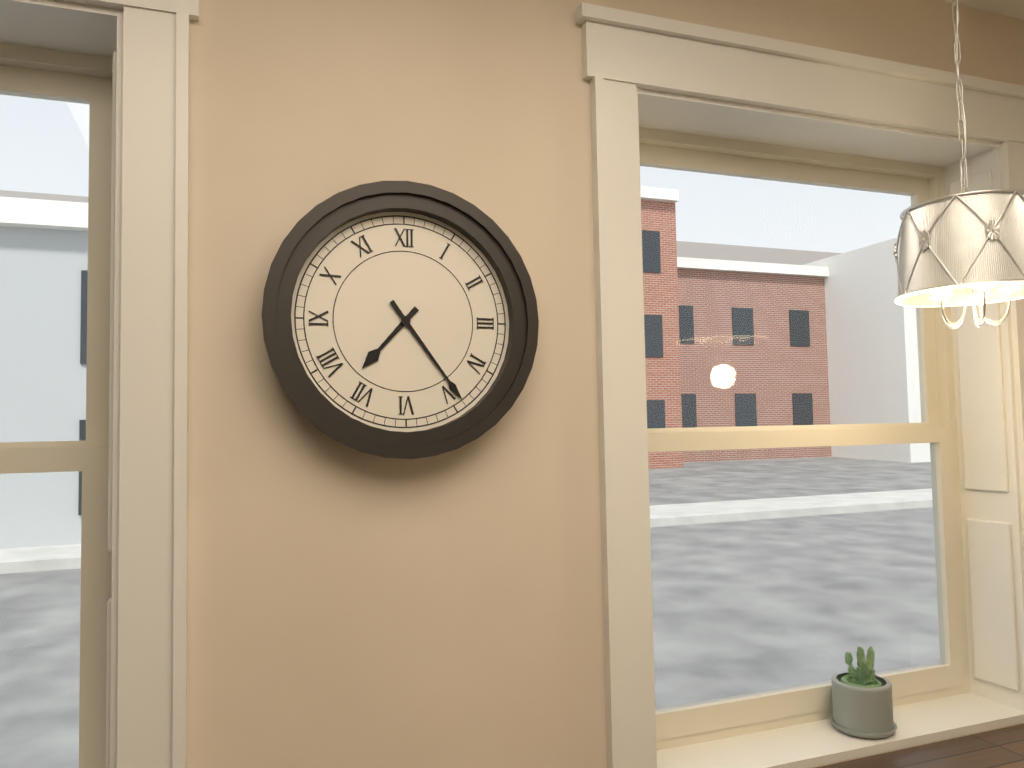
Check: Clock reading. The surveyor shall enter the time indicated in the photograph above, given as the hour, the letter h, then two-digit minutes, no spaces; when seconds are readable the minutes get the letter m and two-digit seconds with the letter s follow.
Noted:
7h24
